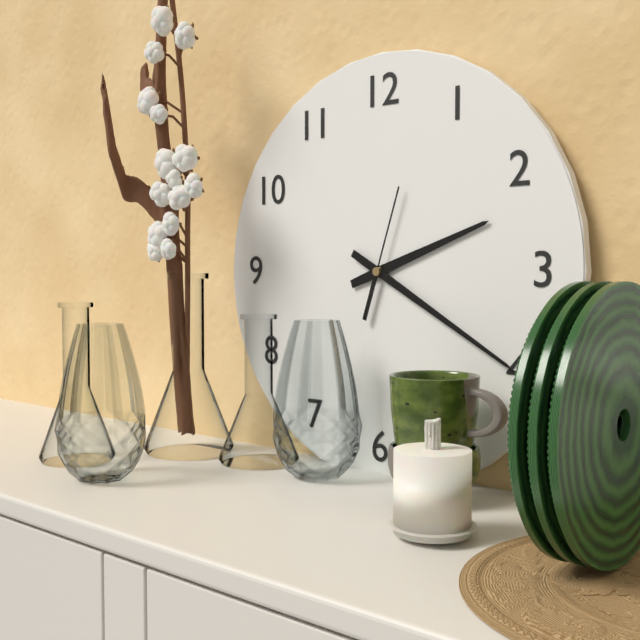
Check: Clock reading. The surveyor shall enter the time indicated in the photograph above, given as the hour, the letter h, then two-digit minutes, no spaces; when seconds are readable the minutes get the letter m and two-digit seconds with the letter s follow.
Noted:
2h20m03s
